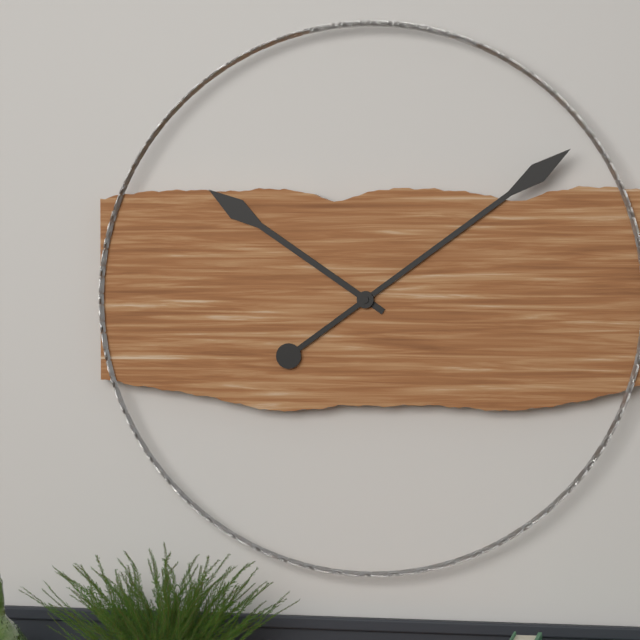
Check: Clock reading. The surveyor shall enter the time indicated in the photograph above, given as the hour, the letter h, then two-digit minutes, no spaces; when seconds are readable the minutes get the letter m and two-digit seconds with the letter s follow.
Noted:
10h09
